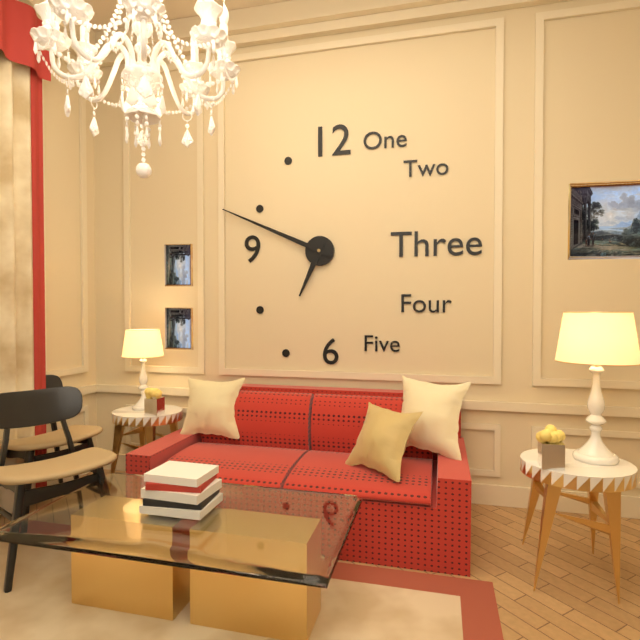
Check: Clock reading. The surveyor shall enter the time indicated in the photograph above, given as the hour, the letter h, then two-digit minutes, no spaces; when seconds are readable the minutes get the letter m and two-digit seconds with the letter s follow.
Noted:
6h49
